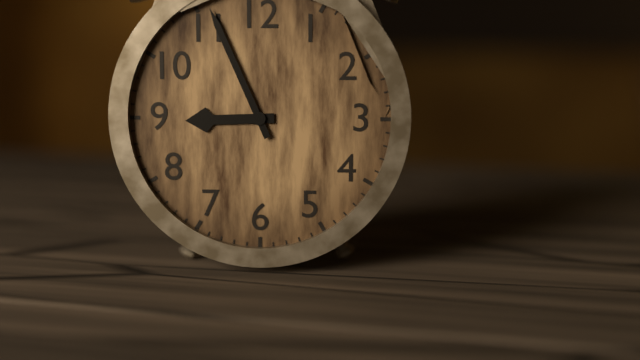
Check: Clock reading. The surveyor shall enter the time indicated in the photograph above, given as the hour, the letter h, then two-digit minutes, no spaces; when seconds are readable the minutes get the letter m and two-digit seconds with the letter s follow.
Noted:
8h56
